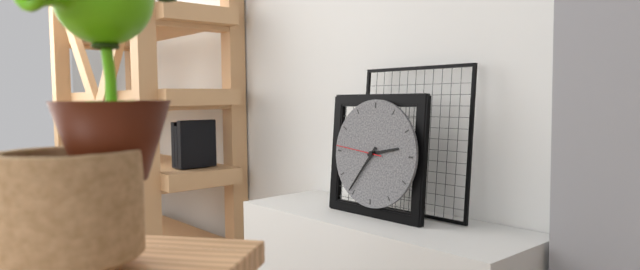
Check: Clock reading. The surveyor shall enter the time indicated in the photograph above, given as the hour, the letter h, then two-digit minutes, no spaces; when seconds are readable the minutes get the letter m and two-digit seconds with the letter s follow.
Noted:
2h36
